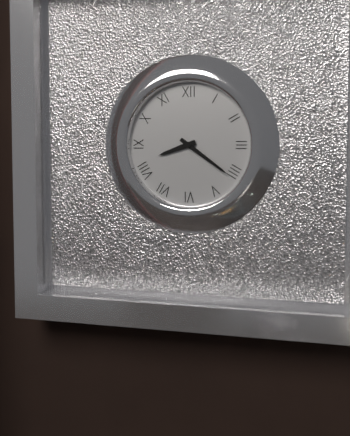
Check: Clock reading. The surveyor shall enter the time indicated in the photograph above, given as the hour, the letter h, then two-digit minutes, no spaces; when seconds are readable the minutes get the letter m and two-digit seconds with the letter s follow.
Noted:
8h21
